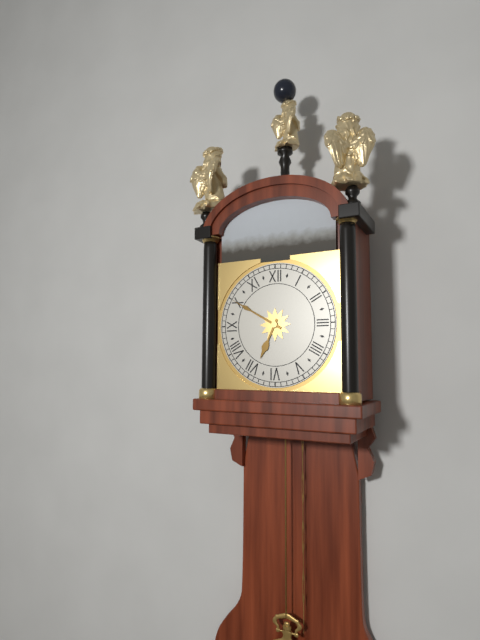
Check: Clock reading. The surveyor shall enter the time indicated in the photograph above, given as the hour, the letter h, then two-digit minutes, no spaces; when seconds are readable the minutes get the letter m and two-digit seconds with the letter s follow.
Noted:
6h50
